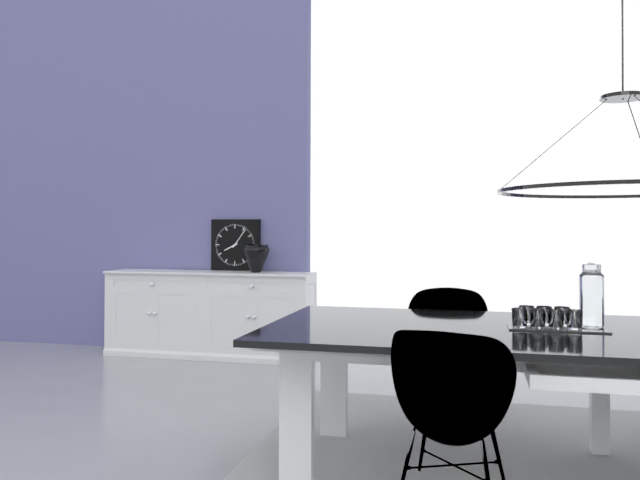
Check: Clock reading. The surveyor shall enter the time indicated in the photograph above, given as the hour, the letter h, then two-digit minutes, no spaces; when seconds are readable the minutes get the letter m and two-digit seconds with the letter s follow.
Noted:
8h06
